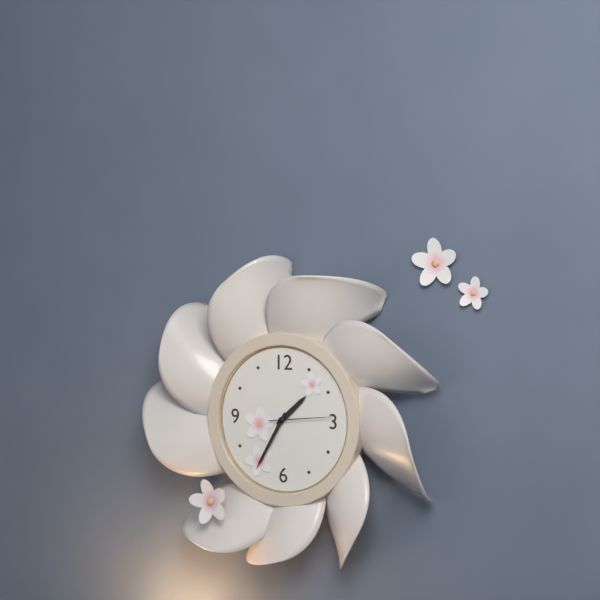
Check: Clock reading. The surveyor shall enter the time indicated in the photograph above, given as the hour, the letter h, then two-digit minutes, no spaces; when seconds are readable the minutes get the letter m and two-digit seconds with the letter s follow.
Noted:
1h35m14s
